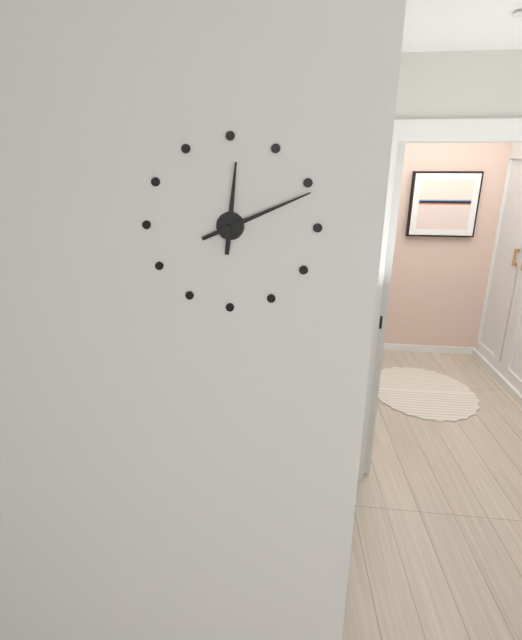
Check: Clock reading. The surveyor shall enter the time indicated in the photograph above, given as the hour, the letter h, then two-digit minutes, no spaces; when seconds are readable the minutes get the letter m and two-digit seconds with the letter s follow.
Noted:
12h11
